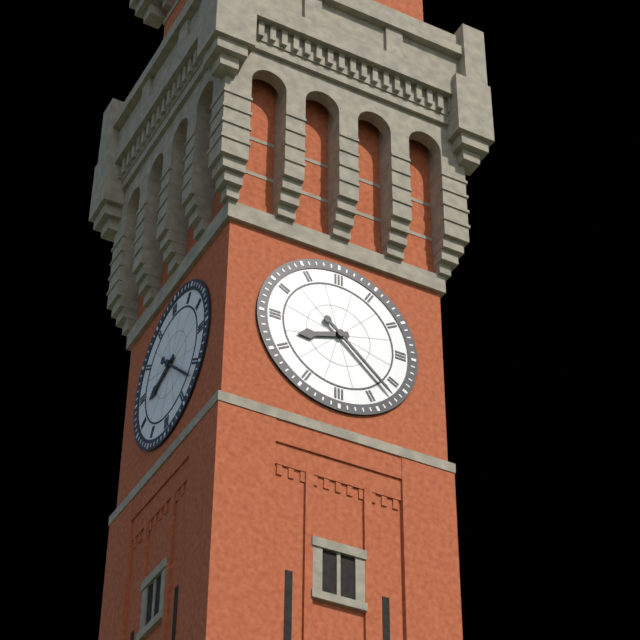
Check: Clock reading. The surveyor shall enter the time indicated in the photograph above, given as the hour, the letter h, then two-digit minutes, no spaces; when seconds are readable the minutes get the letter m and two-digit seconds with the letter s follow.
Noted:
8h22
